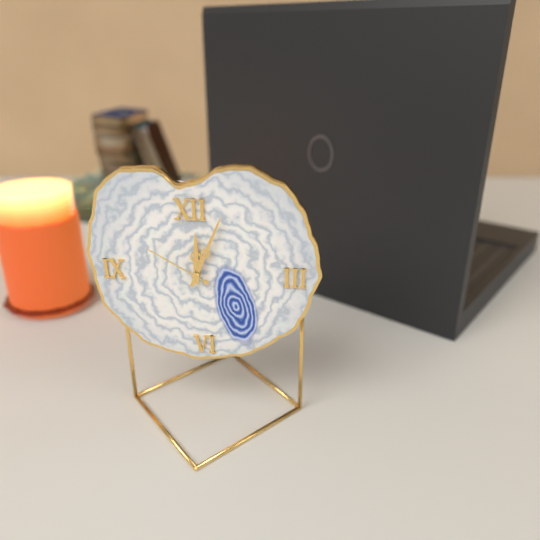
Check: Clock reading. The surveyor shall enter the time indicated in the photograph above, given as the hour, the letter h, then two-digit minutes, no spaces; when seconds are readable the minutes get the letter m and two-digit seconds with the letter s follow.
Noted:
12h04m50s
